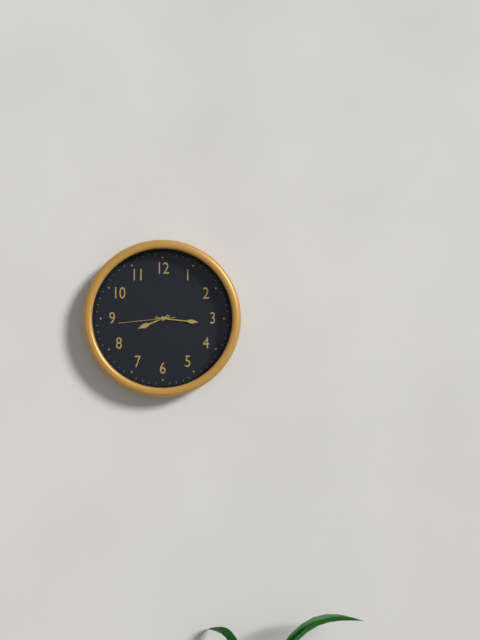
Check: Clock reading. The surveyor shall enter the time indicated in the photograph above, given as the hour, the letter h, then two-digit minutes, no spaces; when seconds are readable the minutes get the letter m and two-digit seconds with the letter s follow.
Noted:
8h16m44s
